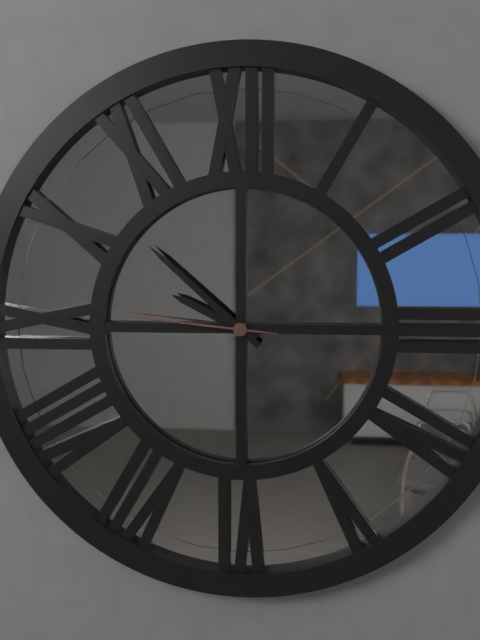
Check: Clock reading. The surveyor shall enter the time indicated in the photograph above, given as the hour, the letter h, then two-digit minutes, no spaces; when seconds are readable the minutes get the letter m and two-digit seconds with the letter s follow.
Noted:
9h52m46s
